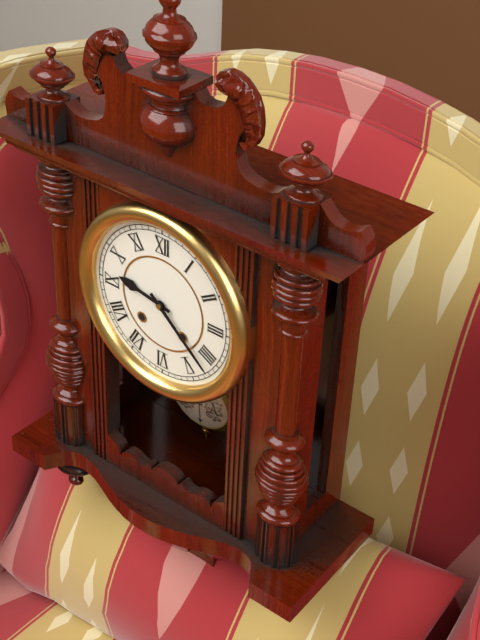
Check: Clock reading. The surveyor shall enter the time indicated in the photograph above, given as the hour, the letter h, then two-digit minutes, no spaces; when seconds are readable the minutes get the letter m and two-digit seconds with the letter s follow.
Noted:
9h22
